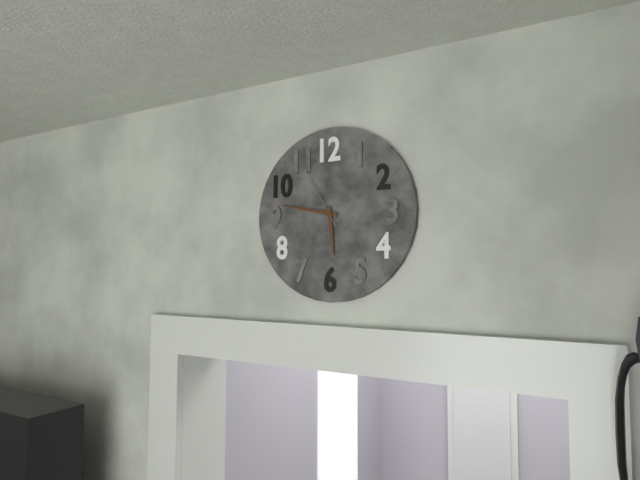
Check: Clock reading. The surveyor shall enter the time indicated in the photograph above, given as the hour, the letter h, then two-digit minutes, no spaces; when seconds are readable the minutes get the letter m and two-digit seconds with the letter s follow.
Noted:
5h47m55s
